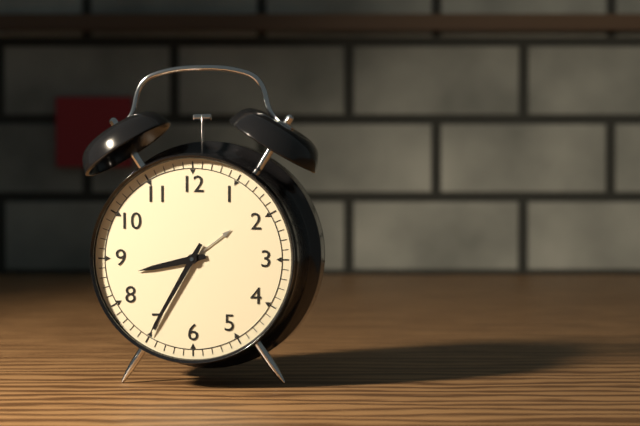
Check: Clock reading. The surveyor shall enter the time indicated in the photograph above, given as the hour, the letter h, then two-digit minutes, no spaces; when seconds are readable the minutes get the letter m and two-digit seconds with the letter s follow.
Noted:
8h35
